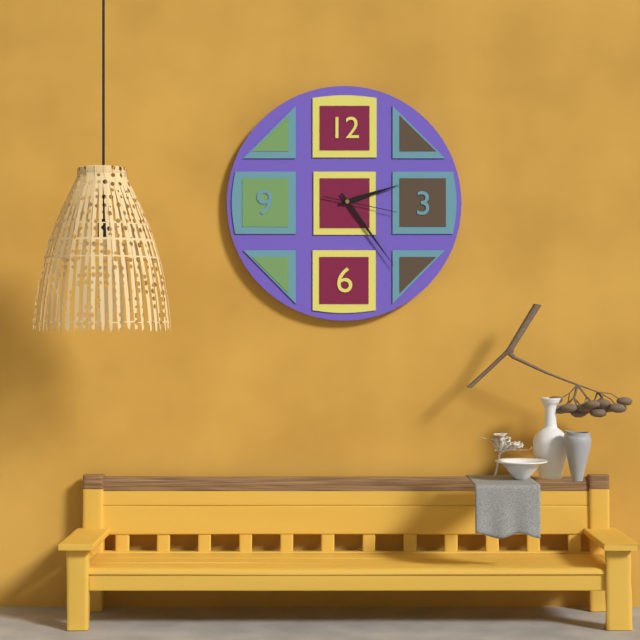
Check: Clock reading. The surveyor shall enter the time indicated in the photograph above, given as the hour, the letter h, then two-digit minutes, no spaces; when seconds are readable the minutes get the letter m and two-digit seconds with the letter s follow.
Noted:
2h24m17s
